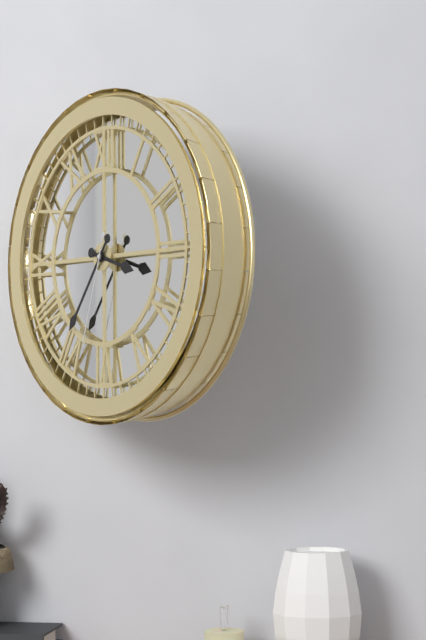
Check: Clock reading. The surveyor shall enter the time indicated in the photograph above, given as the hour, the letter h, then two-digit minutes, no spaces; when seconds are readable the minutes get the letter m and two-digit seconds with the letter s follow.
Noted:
3h36m33s
